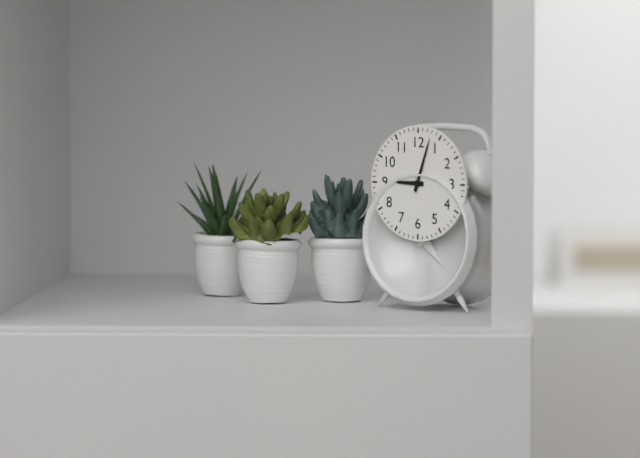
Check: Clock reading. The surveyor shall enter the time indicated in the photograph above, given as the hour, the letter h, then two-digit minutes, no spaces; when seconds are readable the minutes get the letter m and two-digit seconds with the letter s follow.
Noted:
9h03
